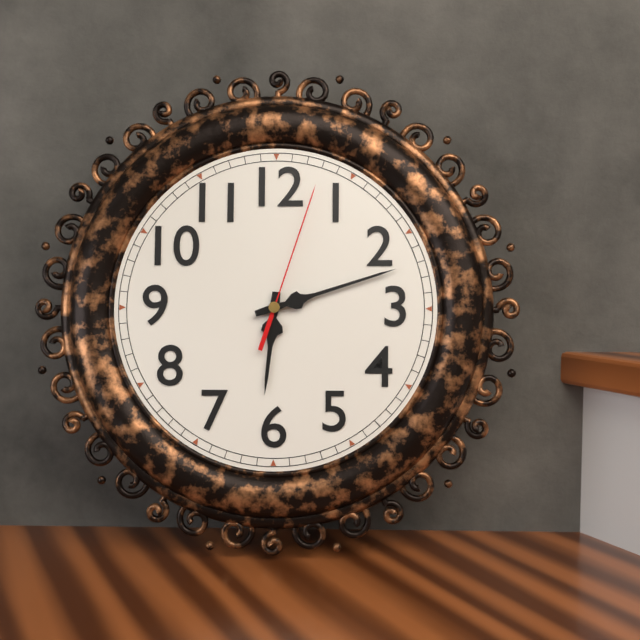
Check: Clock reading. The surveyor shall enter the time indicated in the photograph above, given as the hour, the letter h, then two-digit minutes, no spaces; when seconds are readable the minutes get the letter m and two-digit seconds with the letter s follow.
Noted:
6h12m03s
